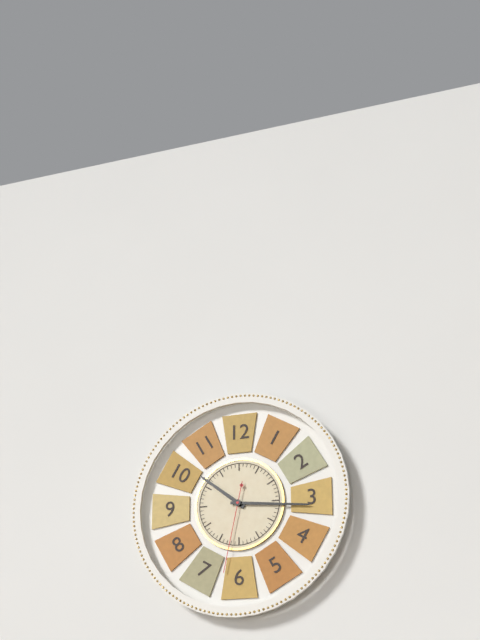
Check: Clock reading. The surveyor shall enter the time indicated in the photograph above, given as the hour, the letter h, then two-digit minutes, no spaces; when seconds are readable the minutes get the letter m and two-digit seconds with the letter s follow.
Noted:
10h16m32s
